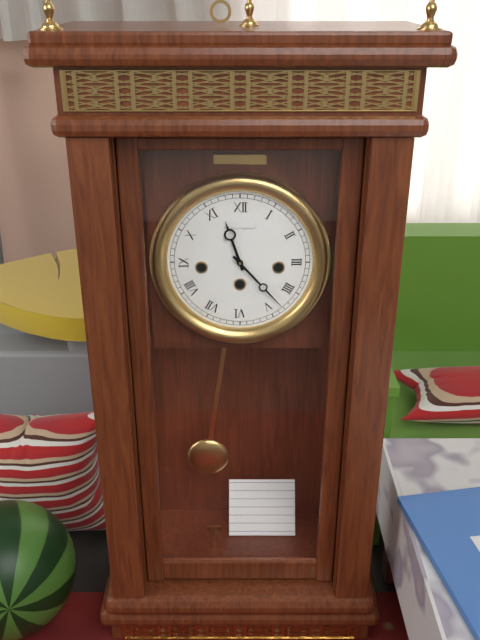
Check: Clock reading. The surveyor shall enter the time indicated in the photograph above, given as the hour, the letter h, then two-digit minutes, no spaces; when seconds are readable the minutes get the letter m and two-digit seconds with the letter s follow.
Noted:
11h23
